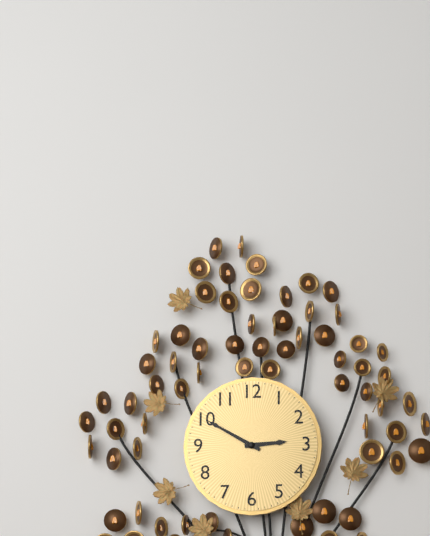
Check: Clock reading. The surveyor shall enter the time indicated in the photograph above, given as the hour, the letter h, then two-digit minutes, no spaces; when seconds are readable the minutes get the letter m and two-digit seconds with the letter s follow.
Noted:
2h50
